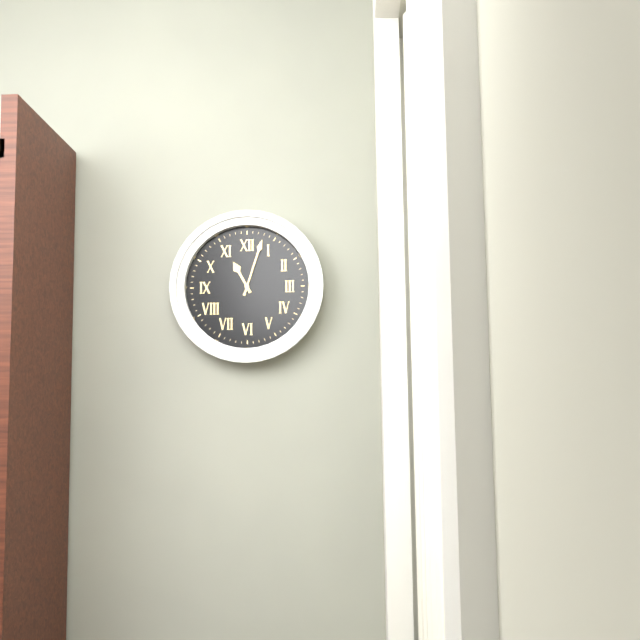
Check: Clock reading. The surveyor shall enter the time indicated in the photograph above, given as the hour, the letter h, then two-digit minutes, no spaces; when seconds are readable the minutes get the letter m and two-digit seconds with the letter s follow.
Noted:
11h03
